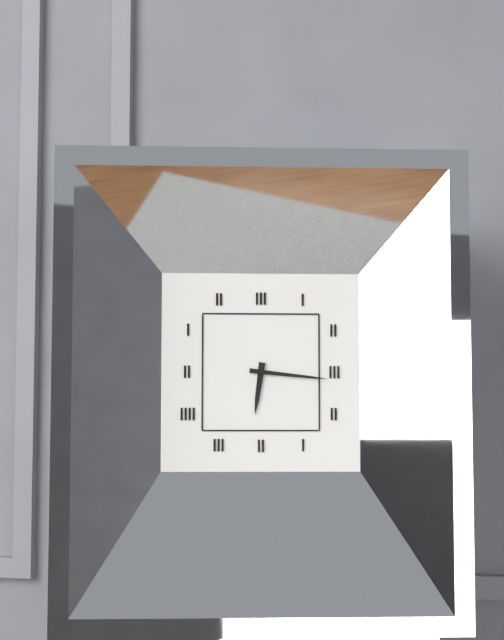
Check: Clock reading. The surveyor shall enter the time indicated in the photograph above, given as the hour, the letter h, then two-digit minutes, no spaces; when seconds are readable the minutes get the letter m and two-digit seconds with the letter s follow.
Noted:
6h16
